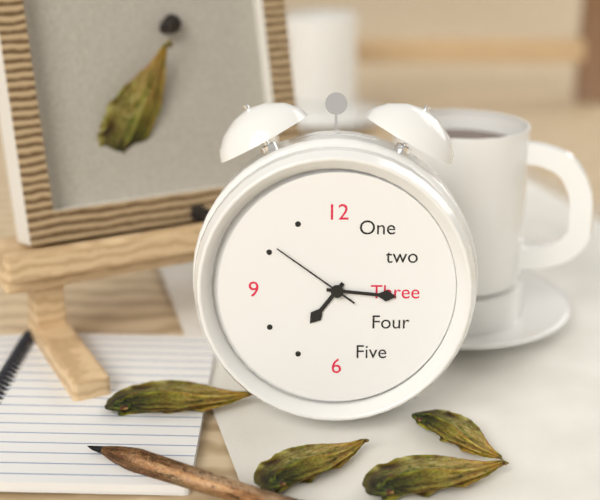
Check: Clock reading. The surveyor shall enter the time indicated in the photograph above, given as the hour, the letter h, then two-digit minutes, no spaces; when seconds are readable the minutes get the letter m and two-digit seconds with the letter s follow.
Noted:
7h16m51s
